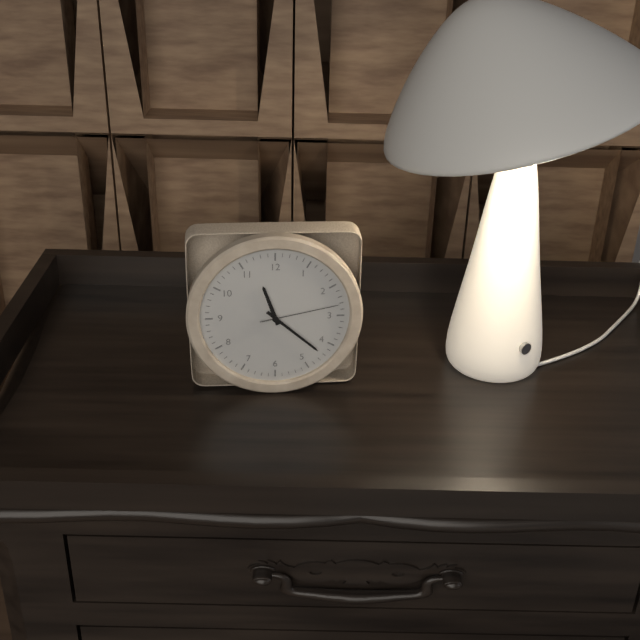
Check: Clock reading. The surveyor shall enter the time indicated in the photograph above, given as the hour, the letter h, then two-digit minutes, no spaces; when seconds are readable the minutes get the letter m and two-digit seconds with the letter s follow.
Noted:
11h22m13s
